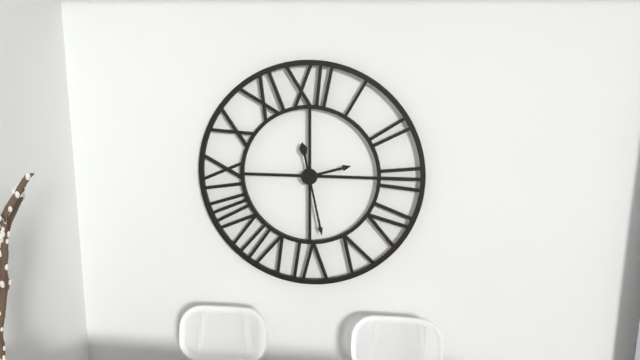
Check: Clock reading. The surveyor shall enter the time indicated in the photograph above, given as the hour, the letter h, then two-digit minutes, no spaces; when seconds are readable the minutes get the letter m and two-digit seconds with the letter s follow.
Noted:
2h28
